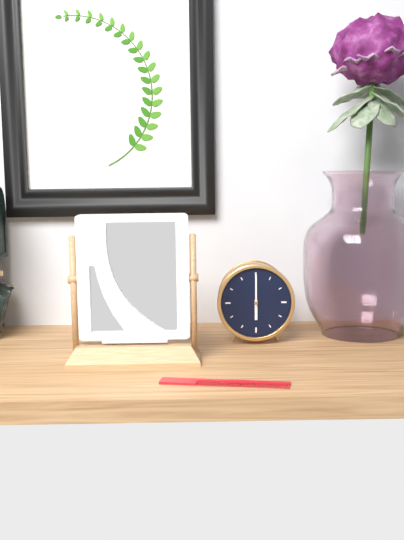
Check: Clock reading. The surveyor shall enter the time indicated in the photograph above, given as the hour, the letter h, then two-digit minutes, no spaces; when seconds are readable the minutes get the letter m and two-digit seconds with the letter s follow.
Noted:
6h00
